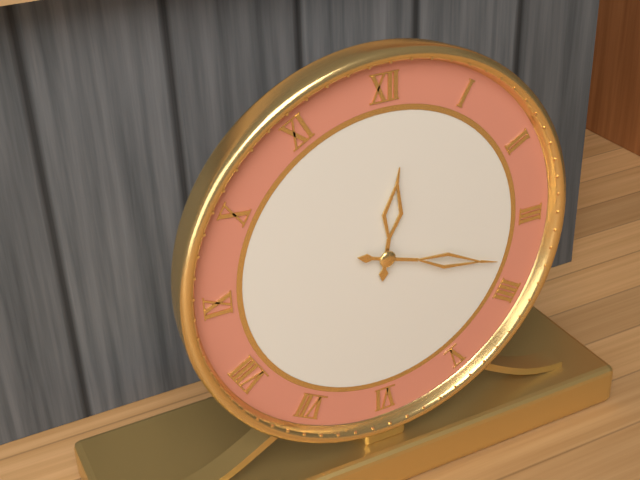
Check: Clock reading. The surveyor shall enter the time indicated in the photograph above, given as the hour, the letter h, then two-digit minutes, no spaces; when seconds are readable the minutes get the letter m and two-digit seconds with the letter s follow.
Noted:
12h18
